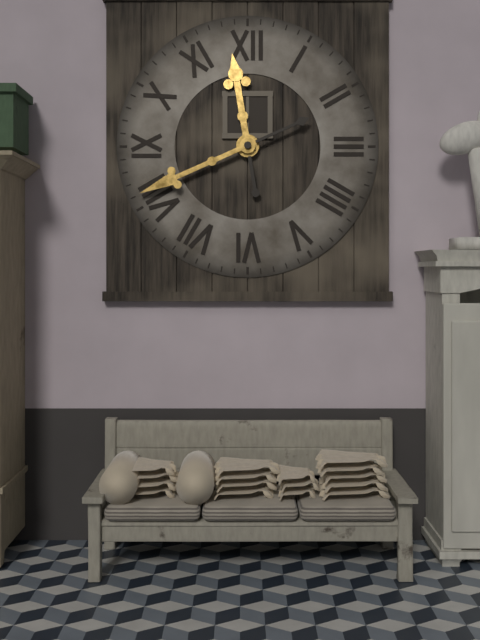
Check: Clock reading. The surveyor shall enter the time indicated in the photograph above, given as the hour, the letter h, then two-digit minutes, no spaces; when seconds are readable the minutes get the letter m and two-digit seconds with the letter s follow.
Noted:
11h41
